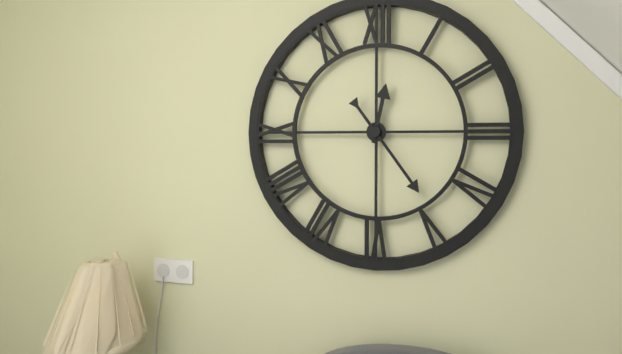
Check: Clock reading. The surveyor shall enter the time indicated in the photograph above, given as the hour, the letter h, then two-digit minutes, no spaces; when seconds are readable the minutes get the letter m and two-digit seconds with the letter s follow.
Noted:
12h24
